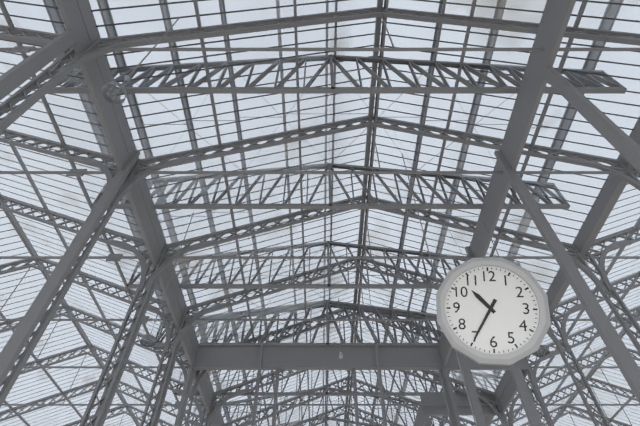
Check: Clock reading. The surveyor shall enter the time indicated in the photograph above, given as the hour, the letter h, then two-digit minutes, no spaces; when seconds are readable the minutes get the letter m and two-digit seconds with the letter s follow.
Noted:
10h35
